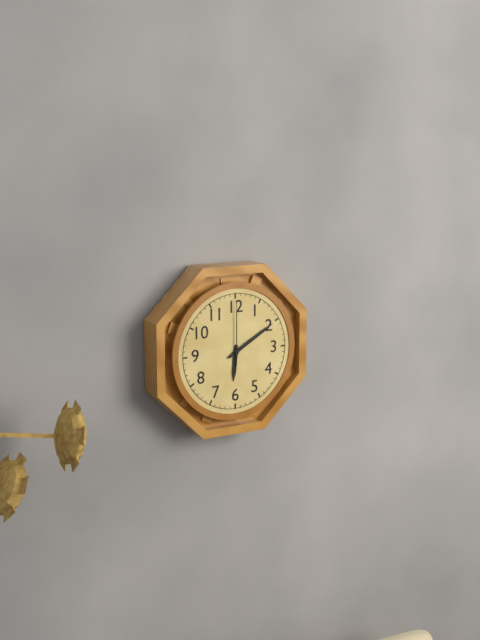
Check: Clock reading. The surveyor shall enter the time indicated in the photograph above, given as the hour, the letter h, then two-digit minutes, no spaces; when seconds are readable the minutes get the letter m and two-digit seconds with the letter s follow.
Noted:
6h10m00s
